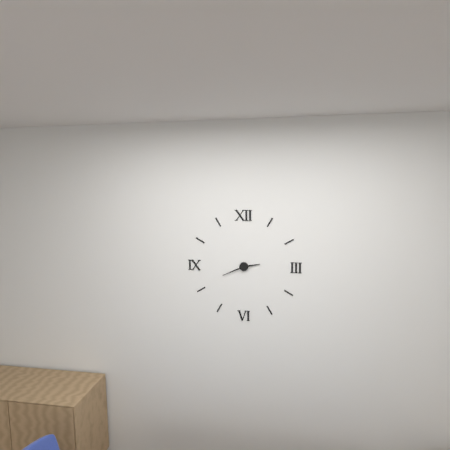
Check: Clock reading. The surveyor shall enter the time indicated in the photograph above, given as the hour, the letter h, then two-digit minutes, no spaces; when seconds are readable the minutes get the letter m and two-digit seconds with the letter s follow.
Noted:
2h41
